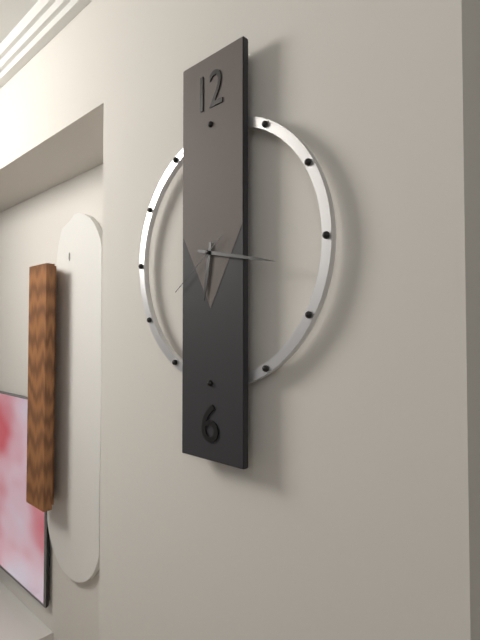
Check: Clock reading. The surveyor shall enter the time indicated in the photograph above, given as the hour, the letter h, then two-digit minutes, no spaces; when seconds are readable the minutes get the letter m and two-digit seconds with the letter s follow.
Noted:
6h17m39s
